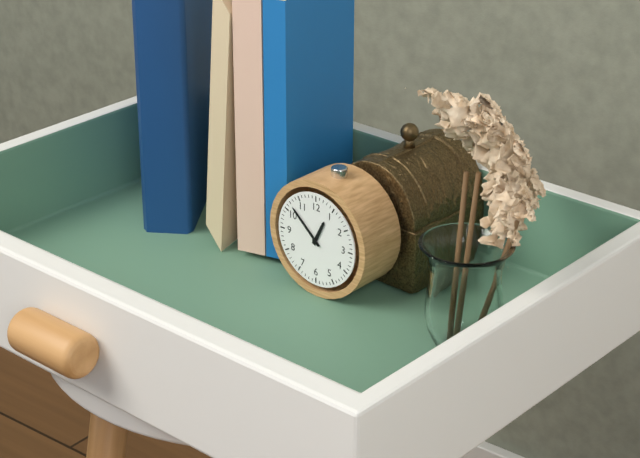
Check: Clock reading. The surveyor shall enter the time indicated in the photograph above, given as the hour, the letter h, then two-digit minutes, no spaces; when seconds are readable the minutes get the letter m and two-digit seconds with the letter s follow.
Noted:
12h52
